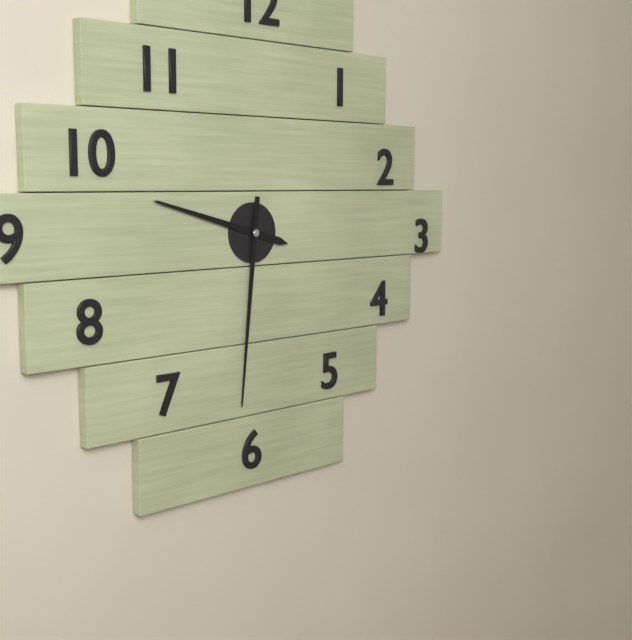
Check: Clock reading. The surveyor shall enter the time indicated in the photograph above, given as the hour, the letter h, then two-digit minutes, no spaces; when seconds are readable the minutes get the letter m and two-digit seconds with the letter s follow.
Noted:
9h31
